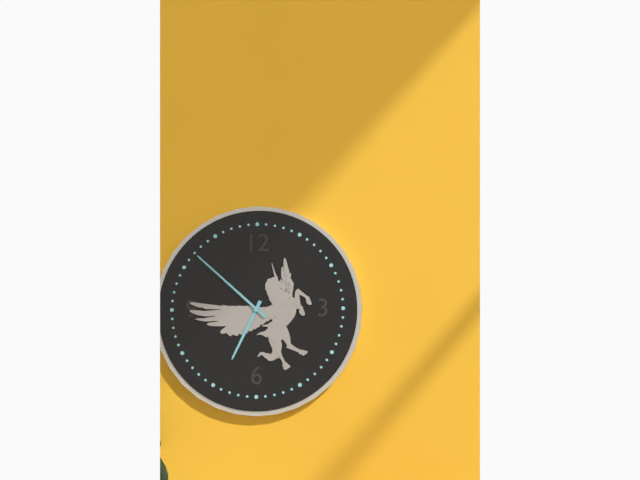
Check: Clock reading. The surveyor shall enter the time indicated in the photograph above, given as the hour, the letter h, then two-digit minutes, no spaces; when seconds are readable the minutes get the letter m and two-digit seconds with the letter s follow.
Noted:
6h52
